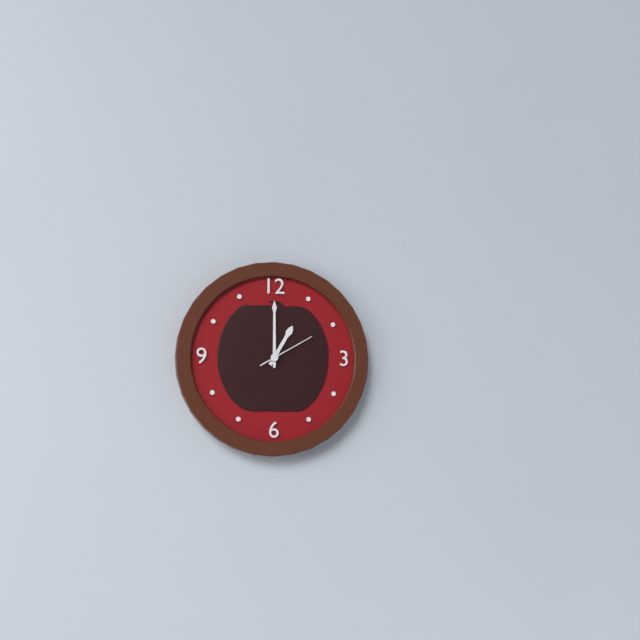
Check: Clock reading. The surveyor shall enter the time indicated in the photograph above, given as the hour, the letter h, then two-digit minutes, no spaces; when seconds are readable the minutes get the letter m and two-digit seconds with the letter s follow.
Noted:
1h00m10s
